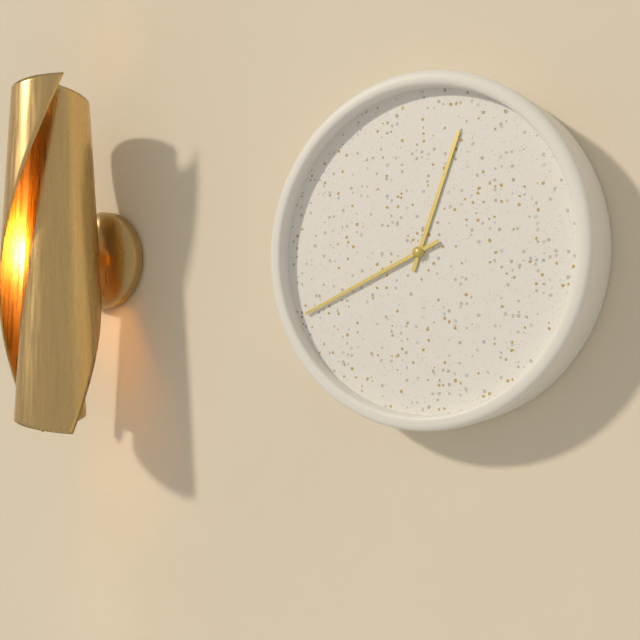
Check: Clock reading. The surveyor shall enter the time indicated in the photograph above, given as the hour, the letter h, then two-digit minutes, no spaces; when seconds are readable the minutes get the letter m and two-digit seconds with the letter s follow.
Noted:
12h41
